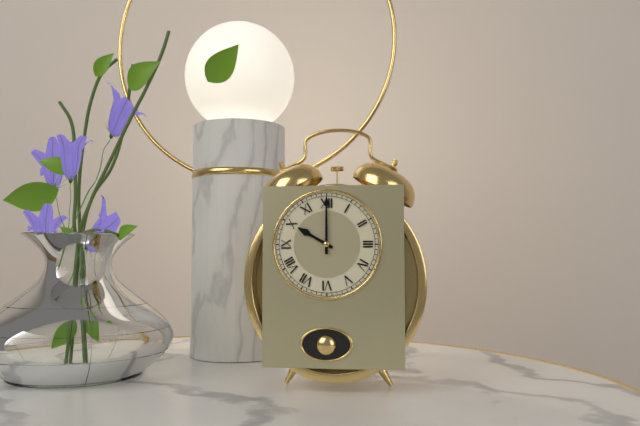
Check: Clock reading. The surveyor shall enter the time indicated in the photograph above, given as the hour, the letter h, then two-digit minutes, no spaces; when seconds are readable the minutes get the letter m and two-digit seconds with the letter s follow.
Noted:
10h00
